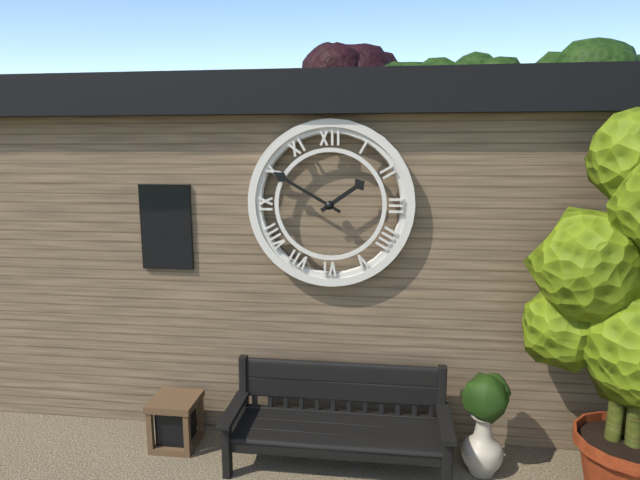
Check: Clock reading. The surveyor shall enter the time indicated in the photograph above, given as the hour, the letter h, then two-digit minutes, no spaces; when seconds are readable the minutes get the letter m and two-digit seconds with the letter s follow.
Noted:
1h50
